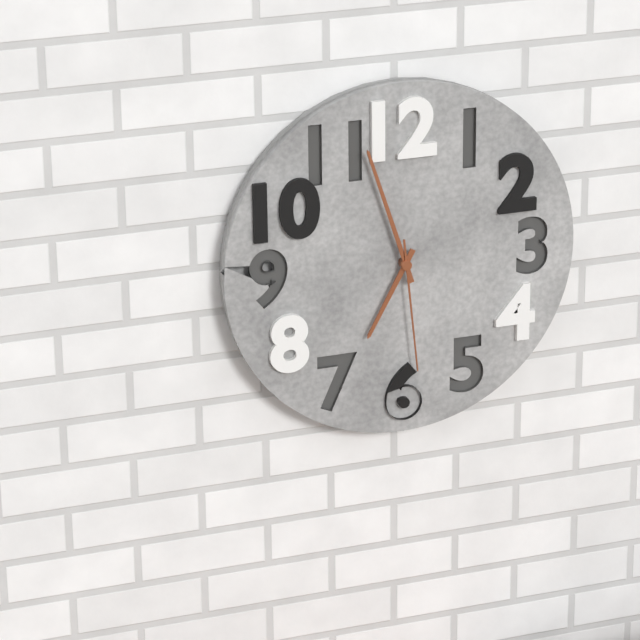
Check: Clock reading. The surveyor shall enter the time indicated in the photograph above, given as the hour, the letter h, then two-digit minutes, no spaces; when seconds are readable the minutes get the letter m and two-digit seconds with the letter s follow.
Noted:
6h57m29s
